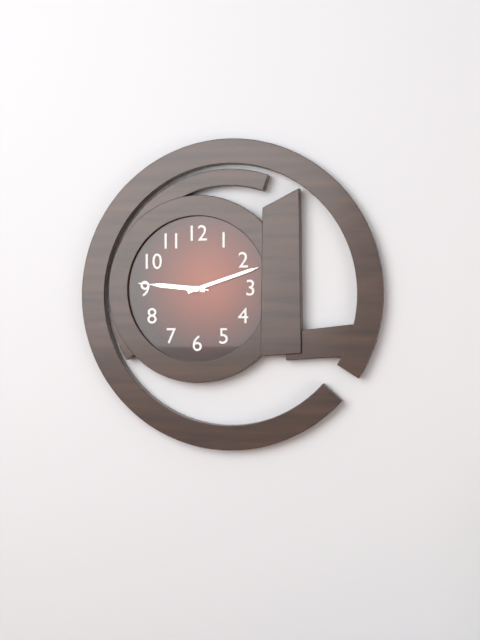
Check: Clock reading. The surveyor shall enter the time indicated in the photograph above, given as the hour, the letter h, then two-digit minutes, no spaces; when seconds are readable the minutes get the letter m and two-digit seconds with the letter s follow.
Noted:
9h12m46s
